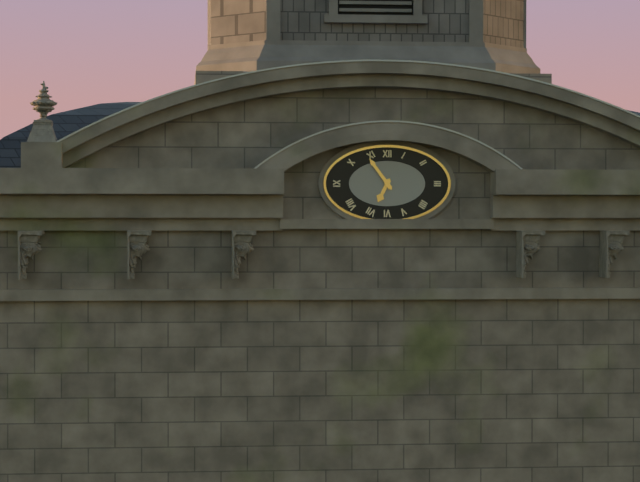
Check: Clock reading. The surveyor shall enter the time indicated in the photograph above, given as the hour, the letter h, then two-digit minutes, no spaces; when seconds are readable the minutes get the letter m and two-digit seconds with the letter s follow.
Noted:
6h54
